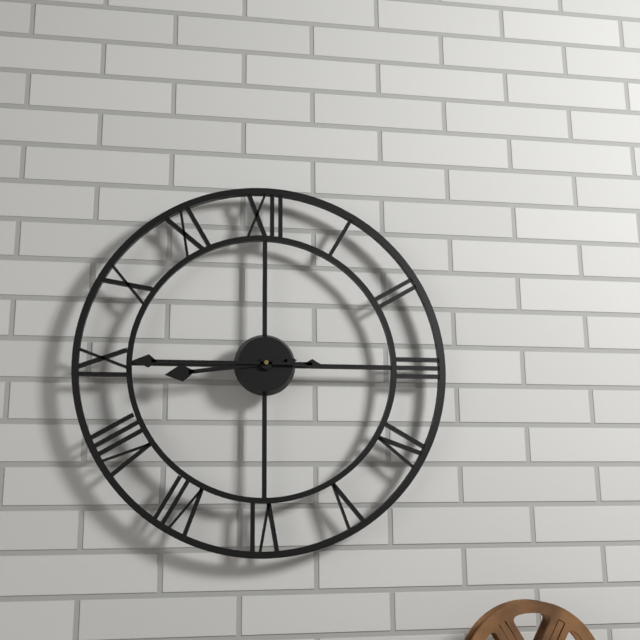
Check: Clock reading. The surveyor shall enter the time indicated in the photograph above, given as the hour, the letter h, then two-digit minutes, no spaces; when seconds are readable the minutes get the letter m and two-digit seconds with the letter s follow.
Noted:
8h45
